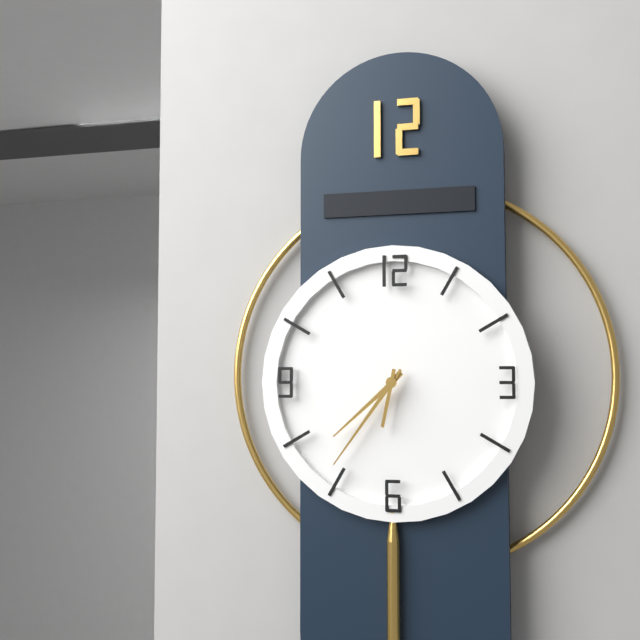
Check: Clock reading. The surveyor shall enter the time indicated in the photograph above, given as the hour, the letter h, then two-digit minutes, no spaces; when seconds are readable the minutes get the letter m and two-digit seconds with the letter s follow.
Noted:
7h36m32s
